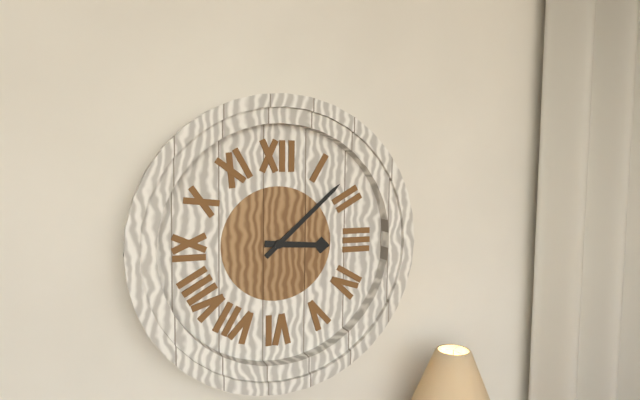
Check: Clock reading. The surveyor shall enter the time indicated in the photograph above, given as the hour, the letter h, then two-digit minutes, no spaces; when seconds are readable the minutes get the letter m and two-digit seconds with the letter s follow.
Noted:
3h08
